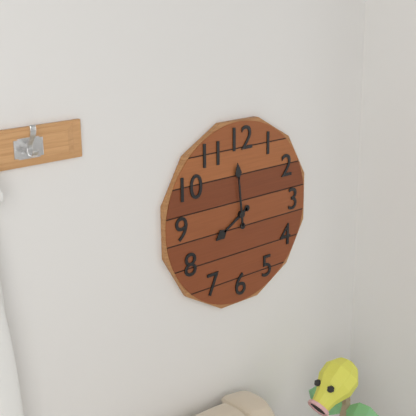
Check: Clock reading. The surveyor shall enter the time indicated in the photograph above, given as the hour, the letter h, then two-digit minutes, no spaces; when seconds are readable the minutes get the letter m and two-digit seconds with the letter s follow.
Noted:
7h59
